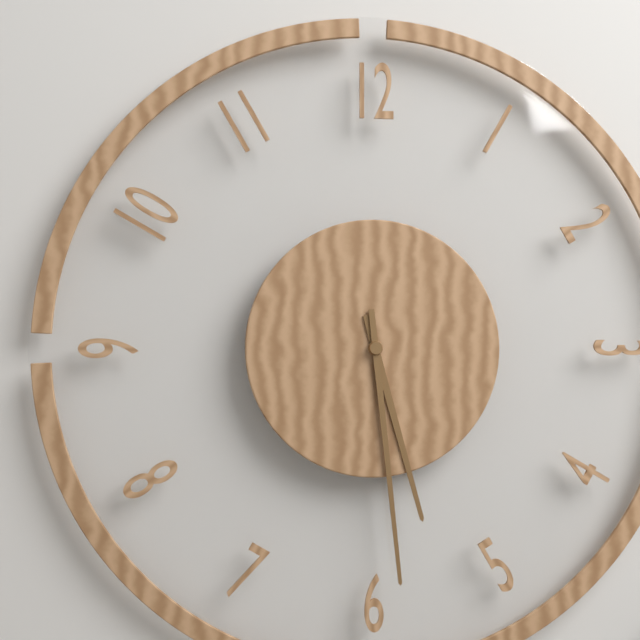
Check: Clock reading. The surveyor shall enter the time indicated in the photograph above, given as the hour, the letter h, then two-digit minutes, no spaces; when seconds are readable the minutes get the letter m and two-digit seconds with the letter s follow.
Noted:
5h29
